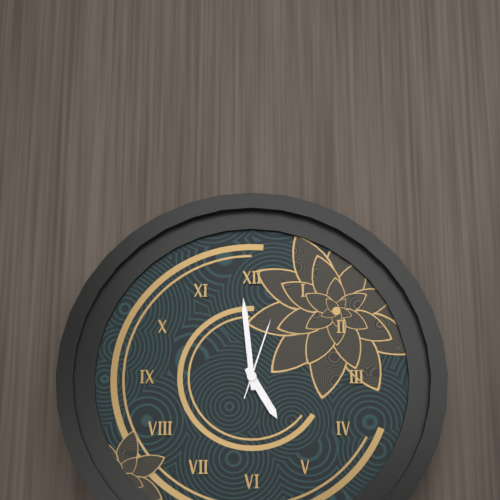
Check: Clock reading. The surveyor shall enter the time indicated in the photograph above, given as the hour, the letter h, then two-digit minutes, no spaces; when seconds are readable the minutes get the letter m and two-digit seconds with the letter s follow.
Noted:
4h59m03s
